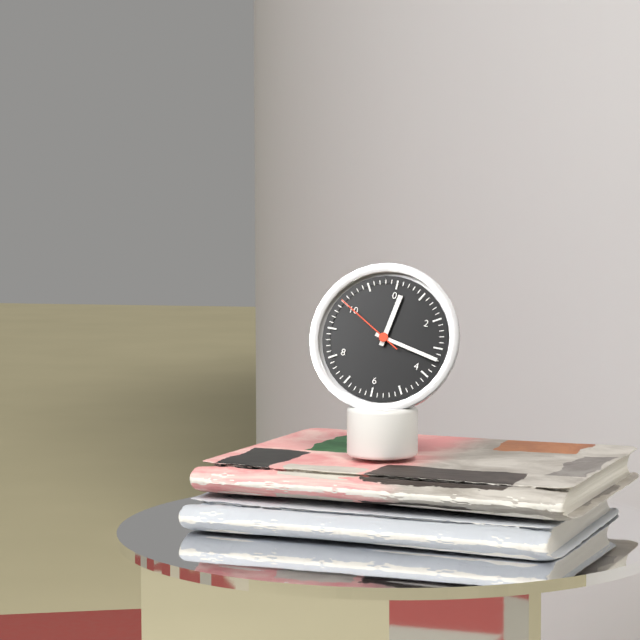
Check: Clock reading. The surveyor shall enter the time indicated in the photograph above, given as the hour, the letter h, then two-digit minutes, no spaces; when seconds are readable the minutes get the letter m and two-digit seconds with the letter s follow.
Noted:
12h17m50s
